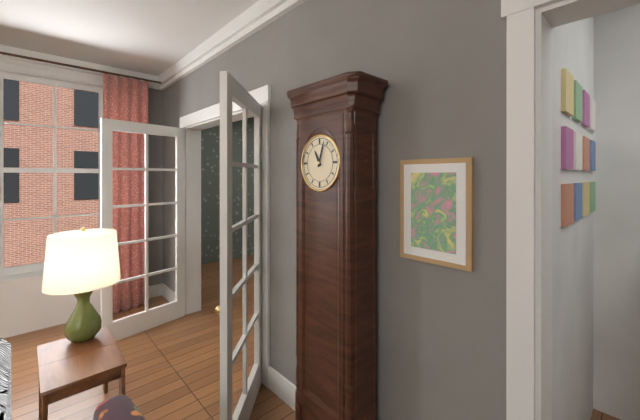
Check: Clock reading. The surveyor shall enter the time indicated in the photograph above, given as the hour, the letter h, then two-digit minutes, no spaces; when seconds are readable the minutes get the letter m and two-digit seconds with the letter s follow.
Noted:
11h03
